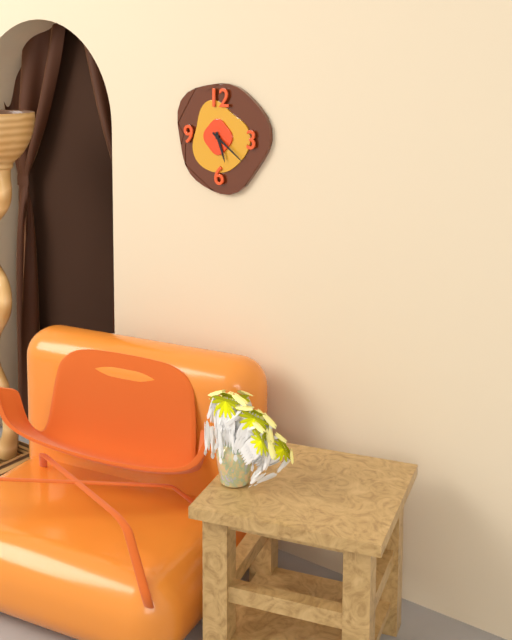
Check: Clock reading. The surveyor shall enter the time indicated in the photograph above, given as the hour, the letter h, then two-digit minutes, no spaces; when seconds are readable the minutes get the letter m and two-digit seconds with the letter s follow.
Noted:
5h21
